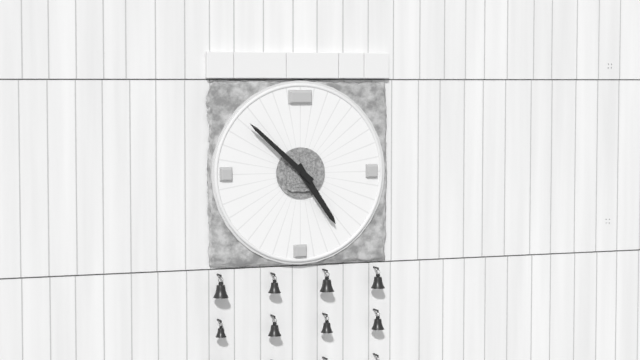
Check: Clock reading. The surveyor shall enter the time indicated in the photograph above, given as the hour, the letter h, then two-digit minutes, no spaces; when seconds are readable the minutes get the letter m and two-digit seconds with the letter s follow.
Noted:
4h52
